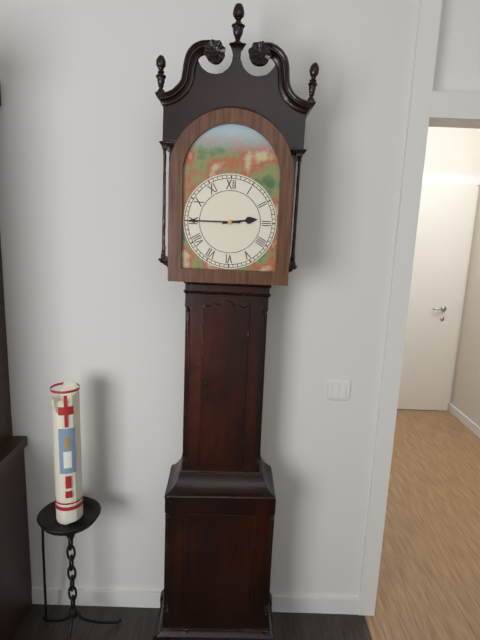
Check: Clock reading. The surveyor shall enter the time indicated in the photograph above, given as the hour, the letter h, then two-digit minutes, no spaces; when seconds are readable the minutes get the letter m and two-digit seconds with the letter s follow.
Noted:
2h45
